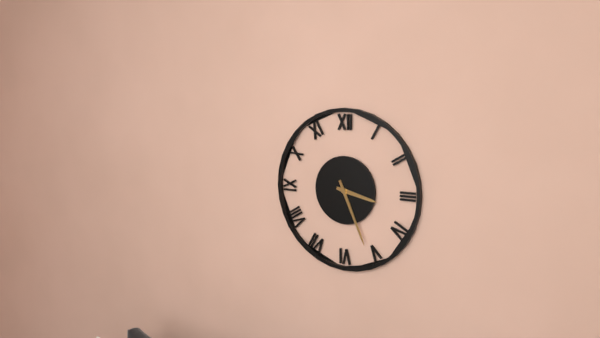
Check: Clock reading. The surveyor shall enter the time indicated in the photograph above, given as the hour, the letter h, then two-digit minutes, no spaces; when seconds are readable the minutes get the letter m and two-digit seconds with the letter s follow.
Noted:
3h26
